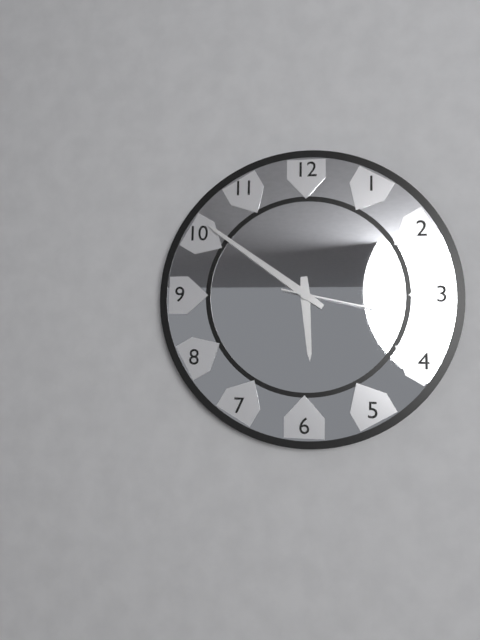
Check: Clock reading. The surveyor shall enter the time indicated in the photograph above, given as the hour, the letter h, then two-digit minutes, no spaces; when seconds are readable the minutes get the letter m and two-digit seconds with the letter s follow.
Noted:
5h51m17s
